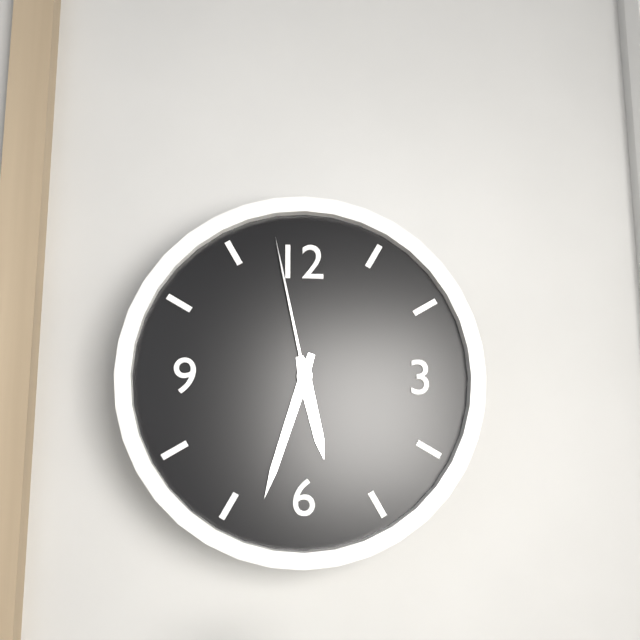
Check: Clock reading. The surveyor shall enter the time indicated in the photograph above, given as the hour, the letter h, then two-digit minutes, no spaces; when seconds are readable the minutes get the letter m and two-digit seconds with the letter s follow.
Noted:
5h33m58s
